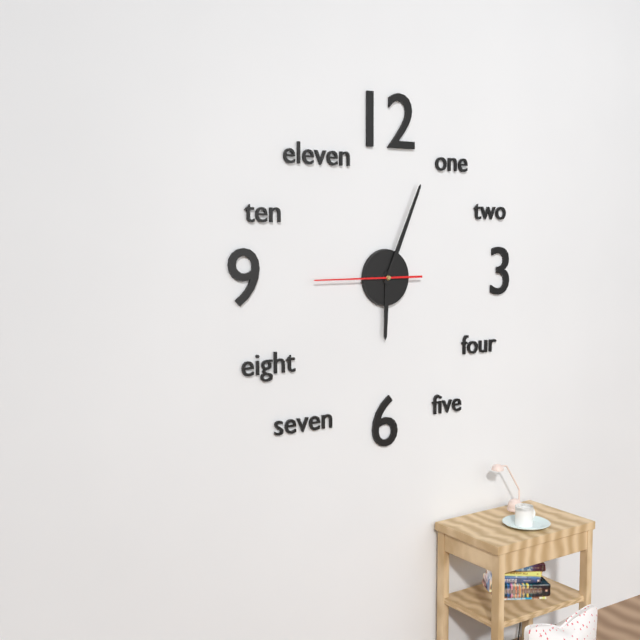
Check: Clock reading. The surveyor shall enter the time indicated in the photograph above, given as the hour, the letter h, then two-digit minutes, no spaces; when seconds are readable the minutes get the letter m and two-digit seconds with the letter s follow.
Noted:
6h04m45s
